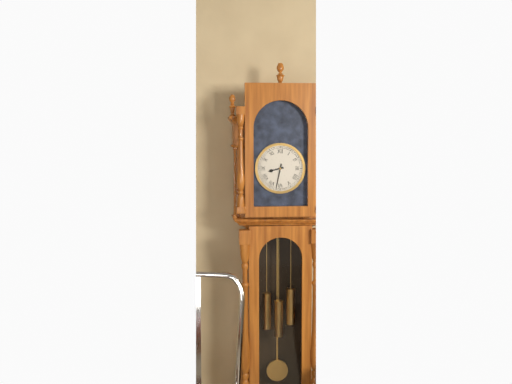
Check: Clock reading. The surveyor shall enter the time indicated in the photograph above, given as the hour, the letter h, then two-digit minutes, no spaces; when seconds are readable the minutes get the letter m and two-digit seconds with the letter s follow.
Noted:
8h32
